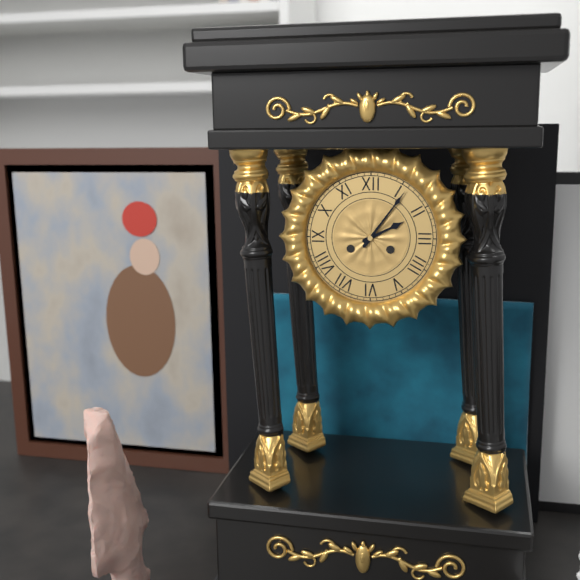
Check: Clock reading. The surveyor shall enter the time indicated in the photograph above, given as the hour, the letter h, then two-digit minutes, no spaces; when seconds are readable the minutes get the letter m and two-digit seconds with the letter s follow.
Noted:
2h06
